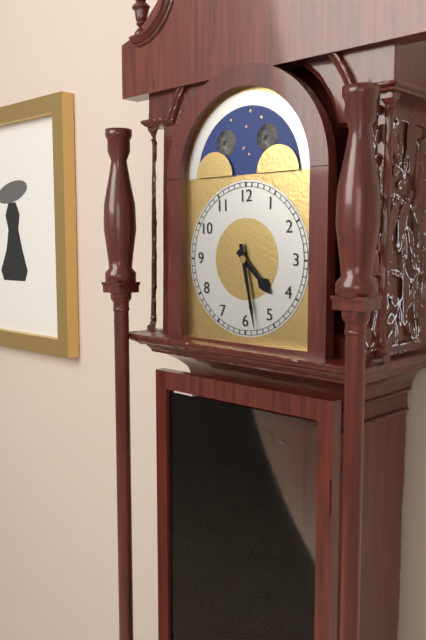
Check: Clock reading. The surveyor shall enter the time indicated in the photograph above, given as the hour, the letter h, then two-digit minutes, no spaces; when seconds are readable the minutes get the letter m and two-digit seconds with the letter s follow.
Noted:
4h28
